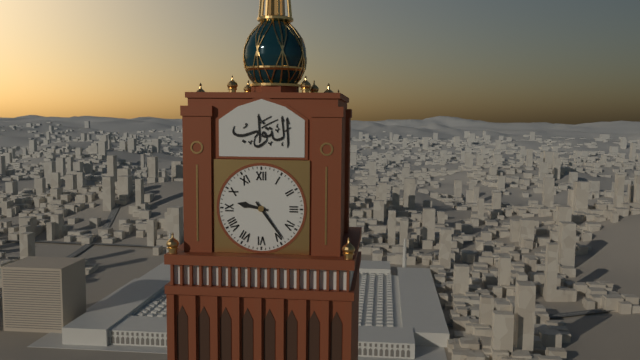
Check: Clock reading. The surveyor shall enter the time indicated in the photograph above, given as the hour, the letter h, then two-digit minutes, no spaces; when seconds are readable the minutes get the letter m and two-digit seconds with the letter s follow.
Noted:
9h24
